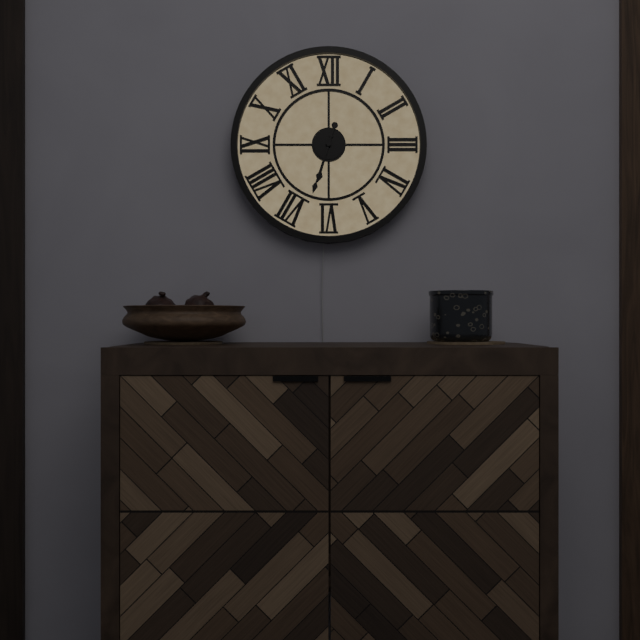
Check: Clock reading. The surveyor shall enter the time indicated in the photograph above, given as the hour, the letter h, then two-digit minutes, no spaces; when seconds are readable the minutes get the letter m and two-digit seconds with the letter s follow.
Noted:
6h33
